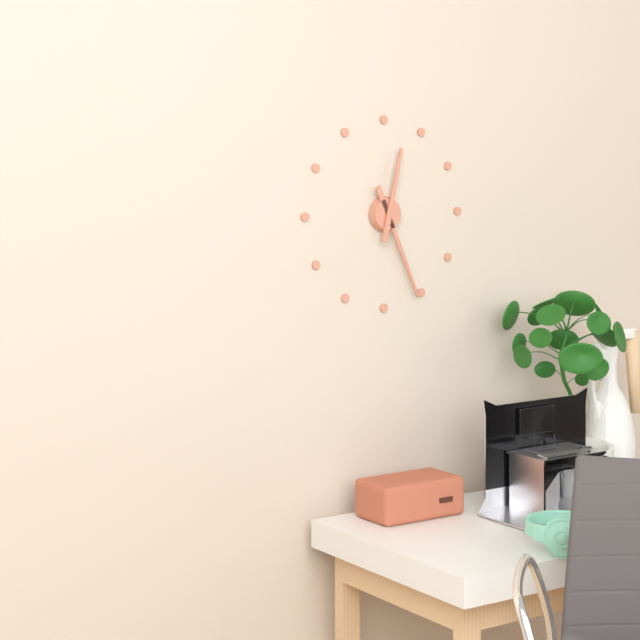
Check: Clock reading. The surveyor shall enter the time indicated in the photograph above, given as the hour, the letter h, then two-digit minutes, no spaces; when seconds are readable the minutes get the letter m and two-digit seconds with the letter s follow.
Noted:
12h26
